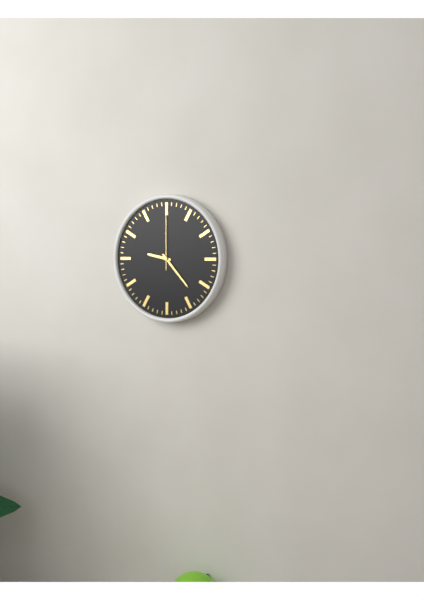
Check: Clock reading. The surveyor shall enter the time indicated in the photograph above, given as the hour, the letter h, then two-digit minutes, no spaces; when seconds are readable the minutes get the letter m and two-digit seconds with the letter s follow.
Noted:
9h23m00s
